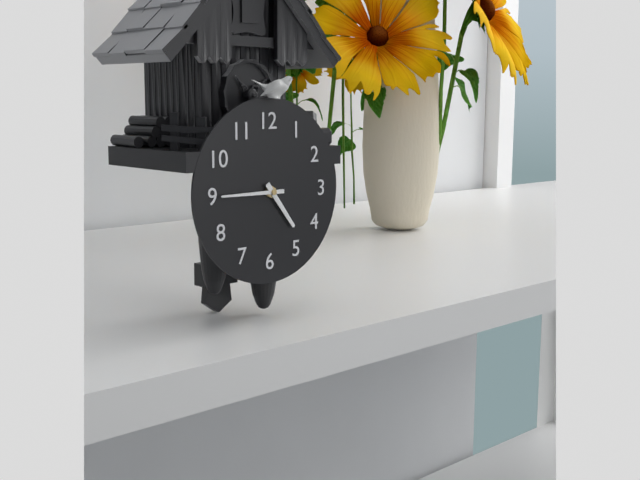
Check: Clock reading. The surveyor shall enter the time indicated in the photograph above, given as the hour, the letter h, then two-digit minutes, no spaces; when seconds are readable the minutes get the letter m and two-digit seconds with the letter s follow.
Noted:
4h45
